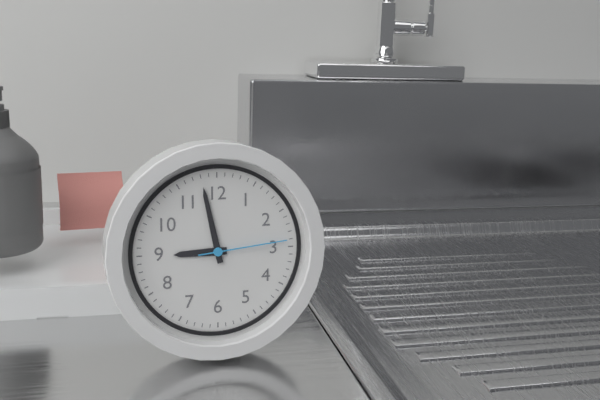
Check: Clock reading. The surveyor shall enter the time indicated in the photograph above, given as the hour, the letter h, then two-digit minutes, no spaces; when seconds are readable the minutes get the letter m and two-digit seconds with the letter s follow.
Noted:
8h58m14s
